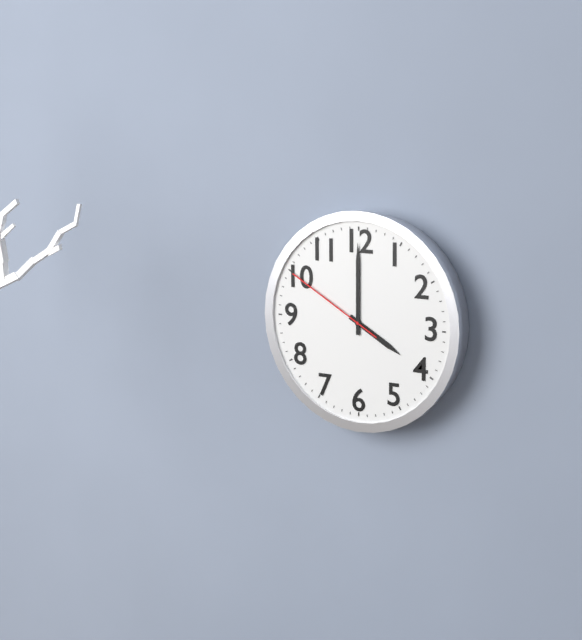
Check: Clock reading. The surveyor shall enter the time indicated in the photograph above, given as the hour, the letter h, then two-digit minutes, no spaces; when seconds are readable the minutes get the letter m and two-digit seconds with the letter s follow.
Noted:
4h00m50s
